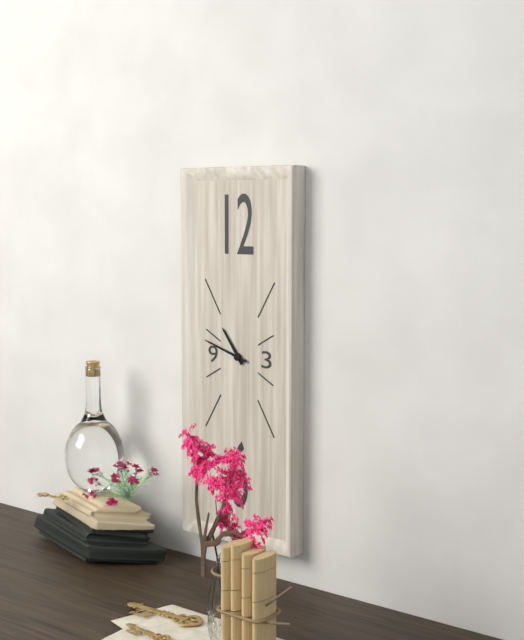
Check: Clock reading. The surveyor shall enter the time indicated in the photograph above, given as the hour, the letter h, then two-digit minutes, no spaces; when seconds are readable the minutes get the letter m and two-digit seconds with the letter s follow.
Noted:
10h48
